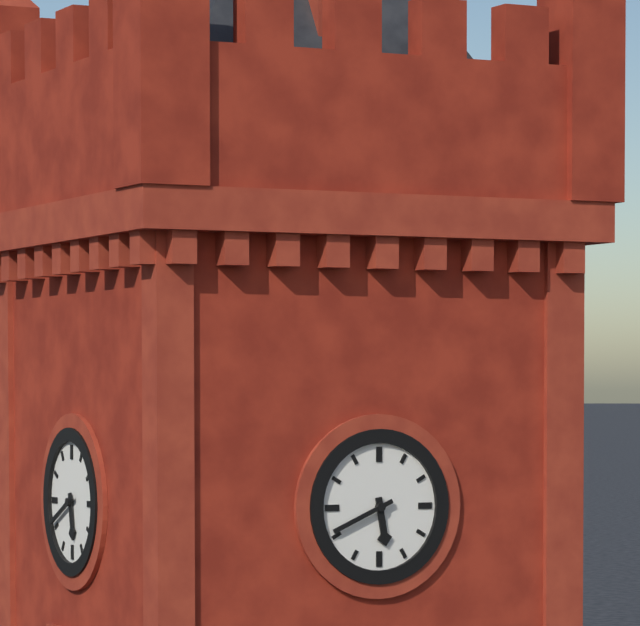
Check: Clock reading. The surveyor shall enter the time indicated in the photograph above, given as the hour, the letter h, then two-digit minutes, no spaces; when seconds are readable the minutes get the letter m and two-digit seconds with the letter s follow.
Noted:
5h41
